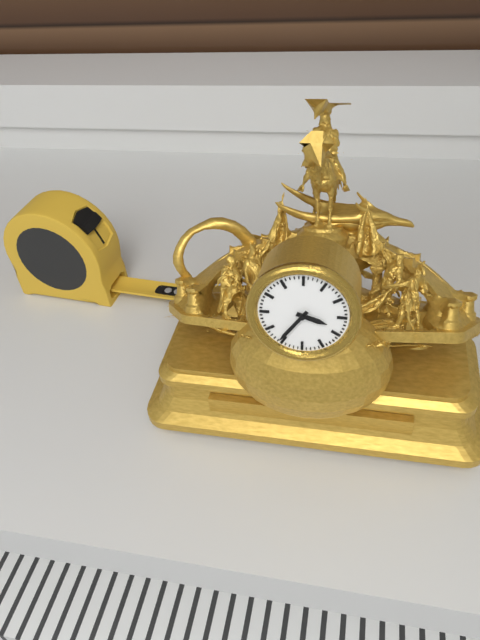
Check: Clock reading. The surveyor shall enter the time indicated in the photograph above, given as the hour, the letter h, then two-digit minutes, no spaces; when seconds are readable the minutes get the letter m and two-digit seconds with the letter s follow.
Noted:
3h36
